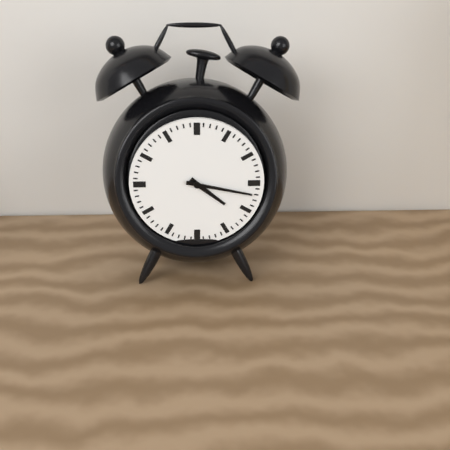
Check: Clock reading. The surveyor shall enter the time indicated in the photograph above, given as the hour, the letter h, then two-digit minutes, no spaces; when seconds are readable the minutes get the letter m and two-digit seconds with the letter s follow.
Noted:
4h17
